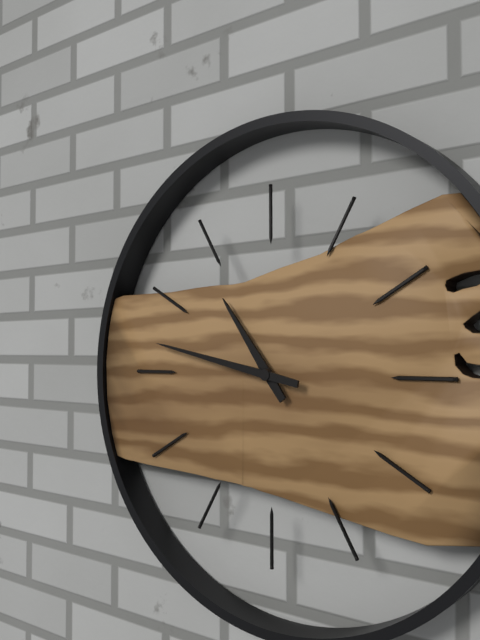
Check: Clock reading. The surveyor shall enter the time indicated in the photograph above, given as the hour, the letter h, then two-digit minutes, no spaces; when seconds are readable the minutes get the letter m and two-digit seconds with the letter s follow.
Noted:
10h47
